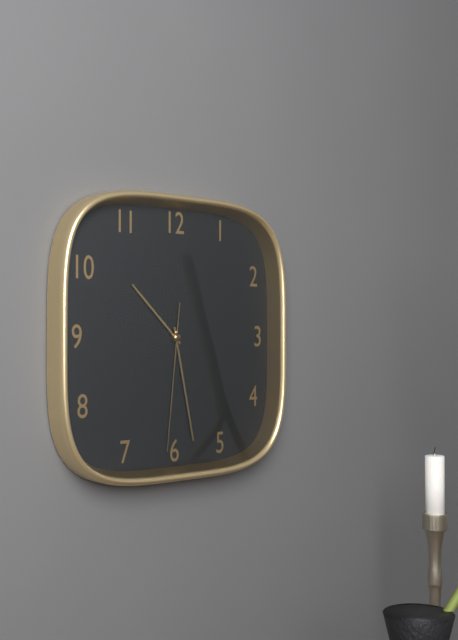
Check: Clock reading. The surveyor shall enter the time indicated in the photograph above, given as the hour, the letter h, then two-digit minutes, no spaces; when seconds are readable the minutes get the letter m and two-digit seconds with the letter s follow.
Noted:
10h28m31s
